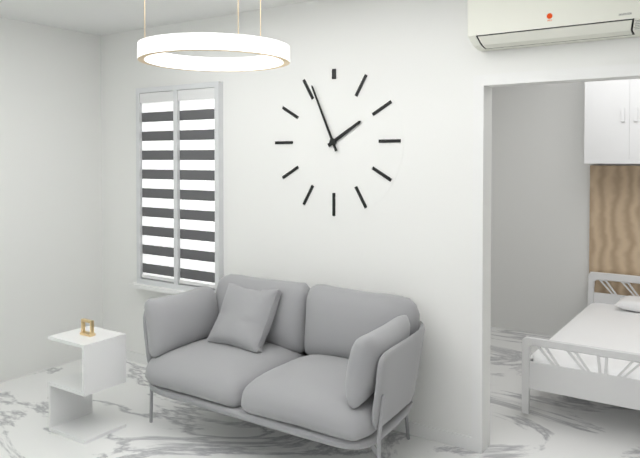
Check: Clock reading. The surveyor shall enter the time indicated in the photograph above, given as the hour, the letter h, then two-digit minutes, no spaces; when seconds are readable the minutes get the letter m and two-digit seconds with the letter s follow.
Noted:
1h56
